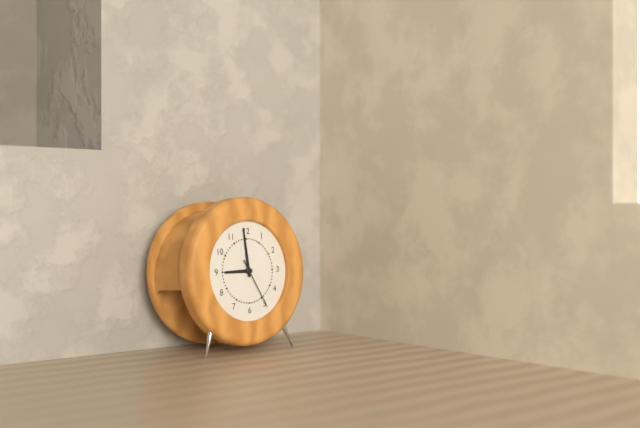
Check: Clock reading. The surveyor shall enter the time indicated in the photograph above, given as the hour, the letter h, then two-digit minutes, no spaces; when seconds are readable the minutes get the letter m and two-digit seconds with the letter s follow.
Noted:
8h59m25s
